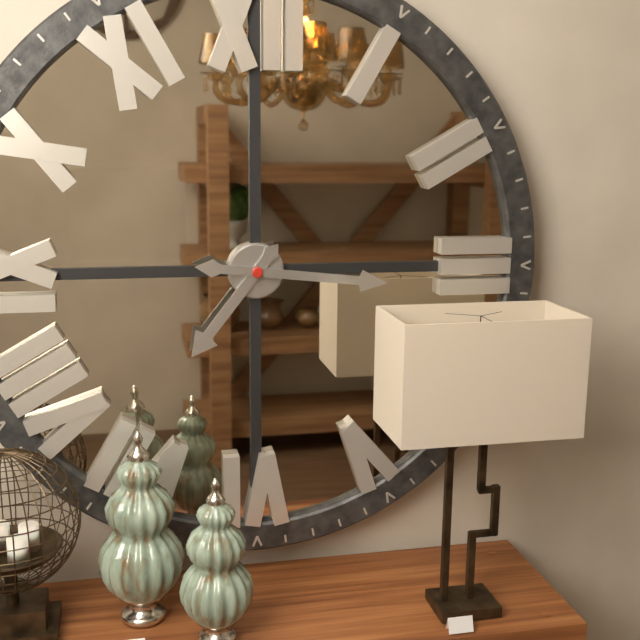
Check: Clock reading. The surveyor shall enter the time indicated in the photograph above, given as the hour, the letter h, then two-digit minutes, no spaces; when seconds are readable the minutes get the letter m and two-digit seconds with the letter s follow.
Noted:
7h16
